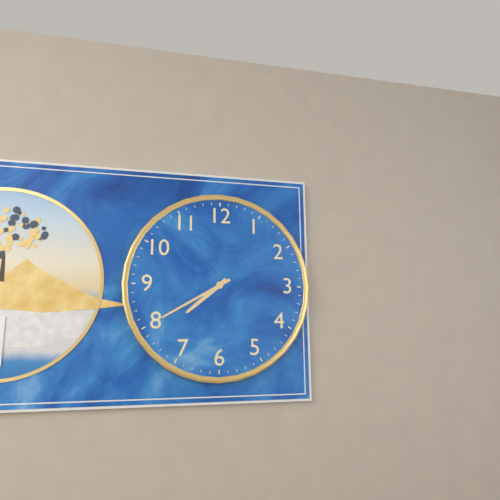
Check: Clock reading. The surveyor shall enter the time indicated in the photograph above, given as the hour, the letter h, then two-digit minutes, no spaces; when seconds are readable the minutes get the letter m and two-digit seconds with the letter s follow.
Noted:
7h40
